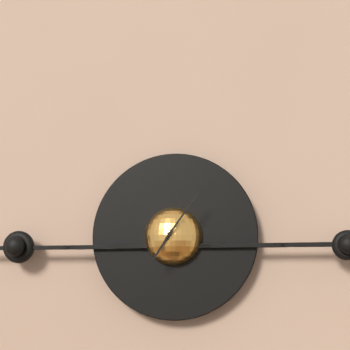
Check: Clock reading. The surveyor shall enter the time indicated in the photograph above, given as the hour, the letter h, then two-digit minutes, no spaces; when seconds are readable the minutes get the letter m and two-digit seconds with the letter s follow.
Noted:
7h06
